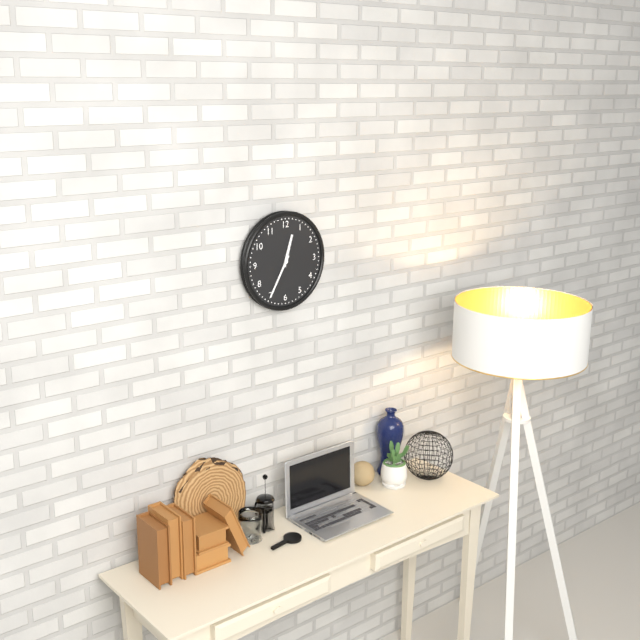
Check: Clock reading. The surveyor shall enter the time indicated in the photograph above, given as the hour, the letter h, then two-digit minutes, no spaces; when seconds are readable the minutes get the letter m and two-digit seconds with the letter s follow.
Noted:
12h35
